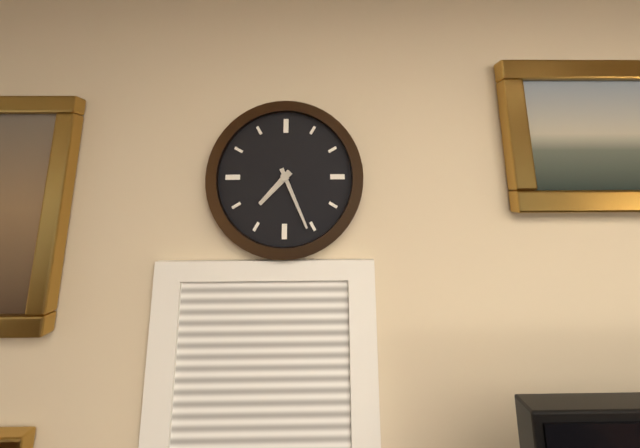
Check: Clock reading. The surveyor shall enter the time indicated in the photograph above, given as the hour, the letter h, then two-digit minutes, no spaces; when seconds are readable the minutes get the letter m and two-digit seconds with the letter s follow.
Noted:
7h26
